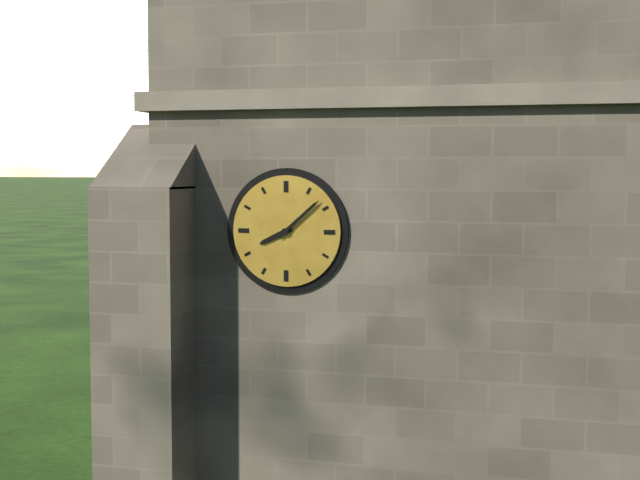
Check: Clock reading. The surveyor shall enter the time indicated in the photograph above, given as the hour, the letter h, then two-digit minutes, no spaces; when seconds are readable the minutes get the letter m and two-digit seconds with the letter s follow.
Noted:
8h08
